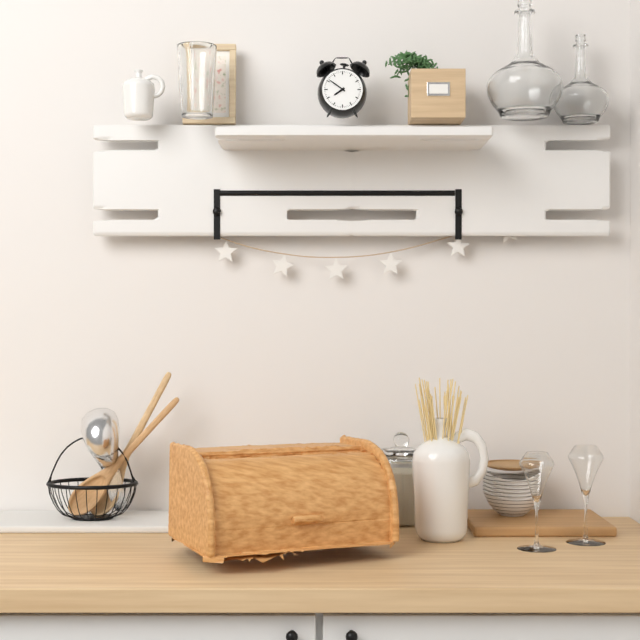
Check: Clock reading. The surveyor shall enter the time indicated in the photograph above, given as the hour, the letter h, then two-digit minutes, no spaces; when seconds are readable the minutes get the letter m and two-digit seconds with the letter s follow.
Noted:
7h51
